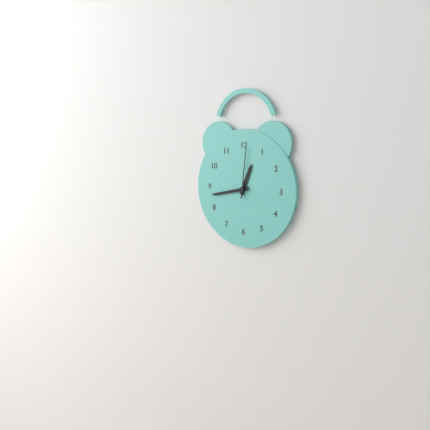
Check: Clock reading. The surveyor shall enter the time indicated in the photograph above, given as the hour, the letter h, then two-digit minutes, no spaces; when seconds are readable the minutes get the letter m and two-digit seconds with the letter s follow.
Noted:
12h43m01s
